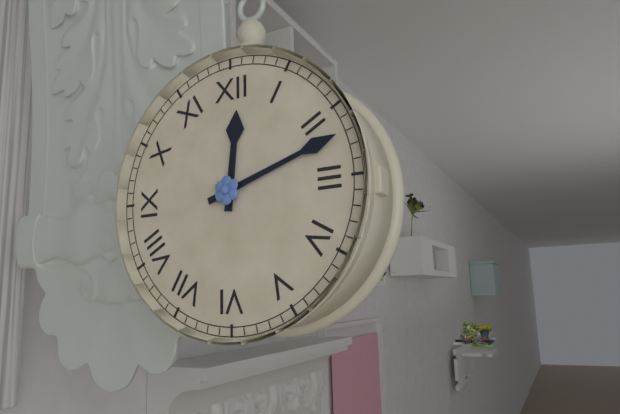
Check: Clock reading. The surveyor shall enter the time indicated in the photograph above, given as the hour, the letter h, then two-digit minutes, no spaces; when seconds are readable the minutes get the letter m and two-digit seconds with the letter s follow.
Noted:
12h12
